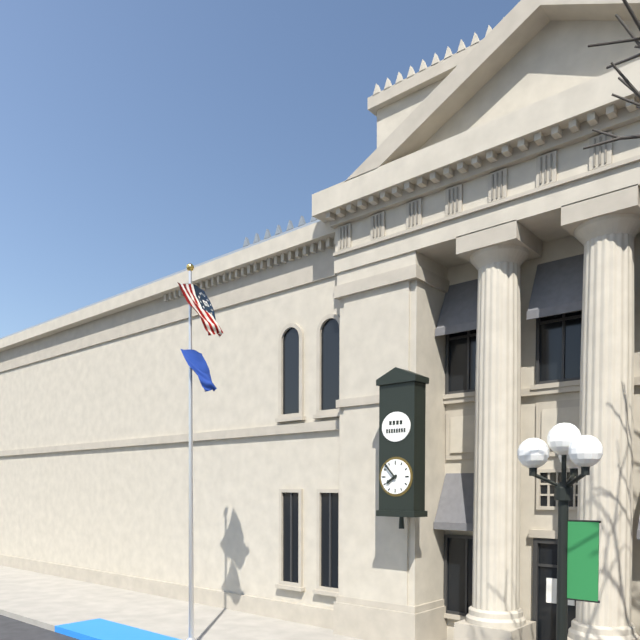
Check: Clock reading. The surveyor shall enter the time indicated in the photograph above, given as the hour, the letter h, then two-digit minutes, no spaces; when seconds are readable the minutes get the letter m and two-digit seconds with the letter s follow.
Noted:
7h53
